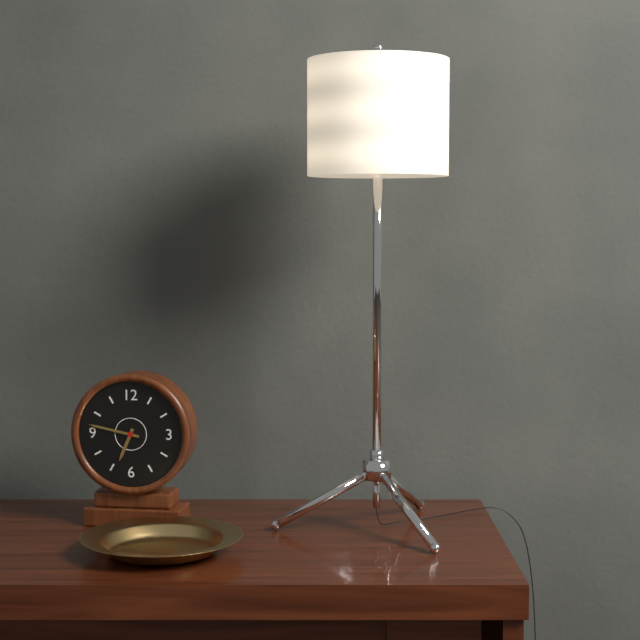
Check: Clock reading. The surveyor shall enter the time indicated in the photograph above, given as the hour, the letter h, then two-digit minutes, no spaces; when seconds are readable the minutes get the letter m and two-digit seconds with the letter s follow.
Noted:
6h47
